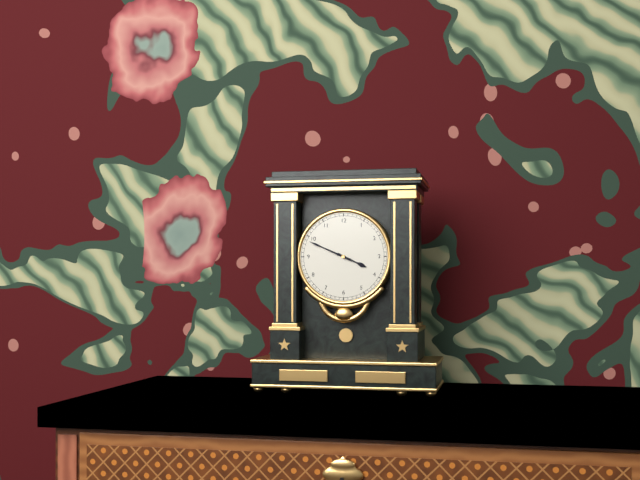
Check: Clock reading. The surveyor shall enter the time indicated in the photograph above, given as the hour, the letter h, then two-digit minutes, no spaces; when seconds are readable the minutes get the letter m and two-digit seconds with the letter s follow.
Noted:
3h49
